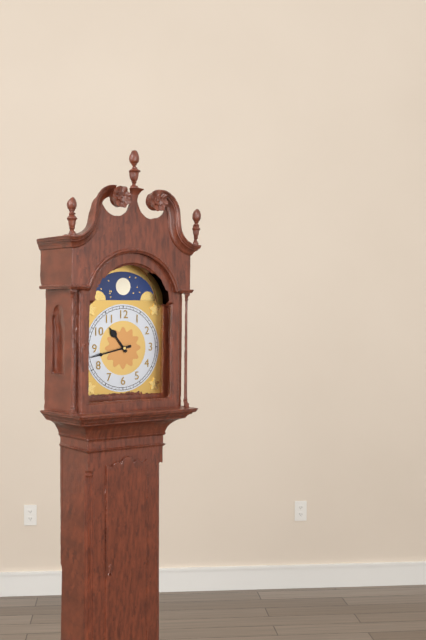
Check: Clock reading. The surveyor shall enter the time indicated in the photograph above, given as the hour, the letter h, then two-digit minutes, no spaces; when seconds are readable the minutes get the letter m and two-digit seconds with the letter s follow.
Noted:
10h43
